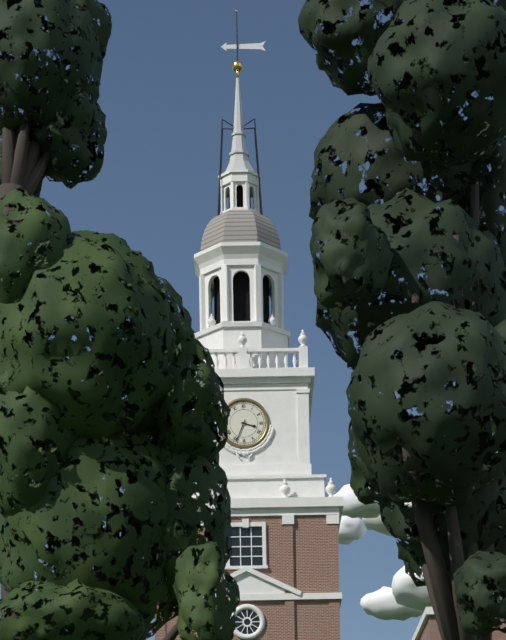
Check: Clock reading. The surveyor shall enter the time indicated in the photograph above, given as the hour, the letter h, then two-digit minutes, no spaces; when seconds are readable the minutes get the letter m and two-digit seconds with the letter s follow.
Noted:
3h34
